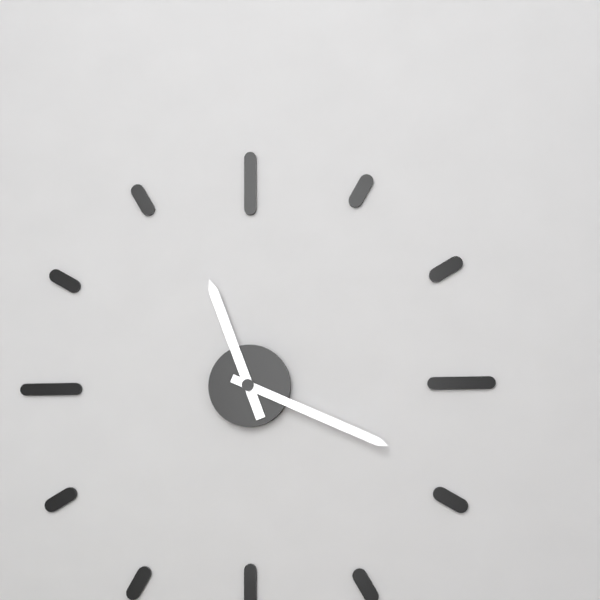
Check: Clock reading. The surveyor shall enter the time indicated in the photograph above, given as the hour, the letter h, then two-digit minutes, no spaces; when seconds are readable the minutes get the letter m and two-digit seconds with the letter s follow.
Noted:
11h19
